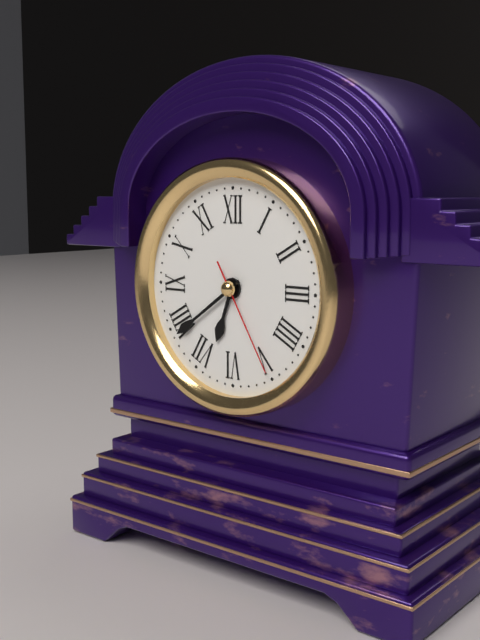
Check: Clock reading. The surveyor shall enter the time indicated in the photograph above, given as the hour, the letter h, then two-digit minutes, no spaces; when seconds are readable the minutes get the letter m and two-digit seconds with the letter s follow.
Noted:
6h39m25s
